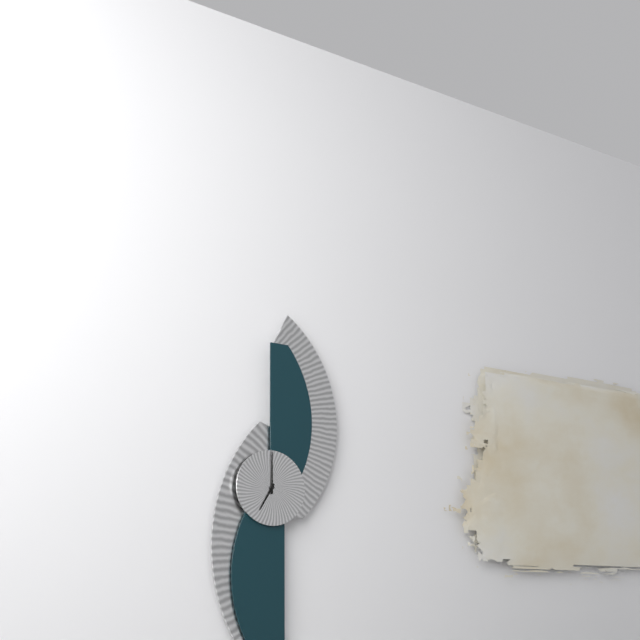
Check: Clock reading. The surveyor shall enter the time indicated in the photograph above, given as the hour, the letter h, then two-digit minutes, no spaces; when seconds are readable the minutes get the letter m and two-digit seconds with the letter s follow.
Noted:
7h00
